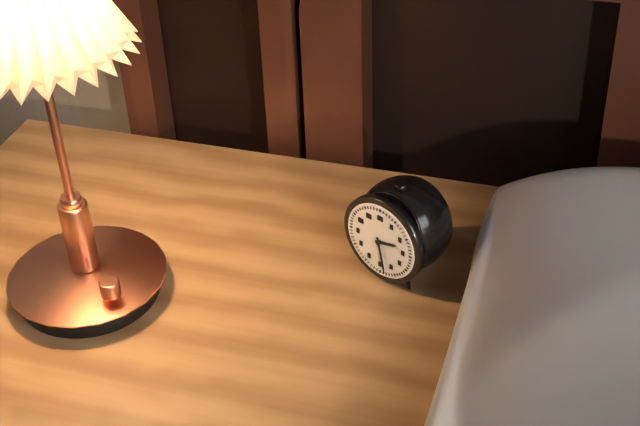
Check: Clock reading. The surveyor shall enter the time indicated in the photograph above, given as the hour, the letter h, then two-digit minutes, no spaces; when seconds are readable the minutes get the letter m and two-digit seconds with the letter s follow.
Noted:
2h28
